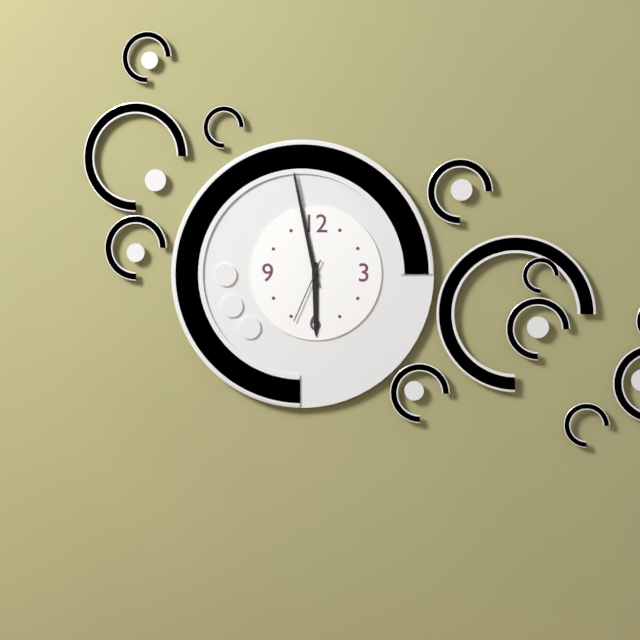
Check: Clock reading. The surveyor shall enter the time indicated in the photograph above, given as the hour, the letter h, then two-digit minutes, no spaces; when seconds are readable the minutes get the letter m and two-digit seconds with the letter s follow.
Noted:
5h58m34s
